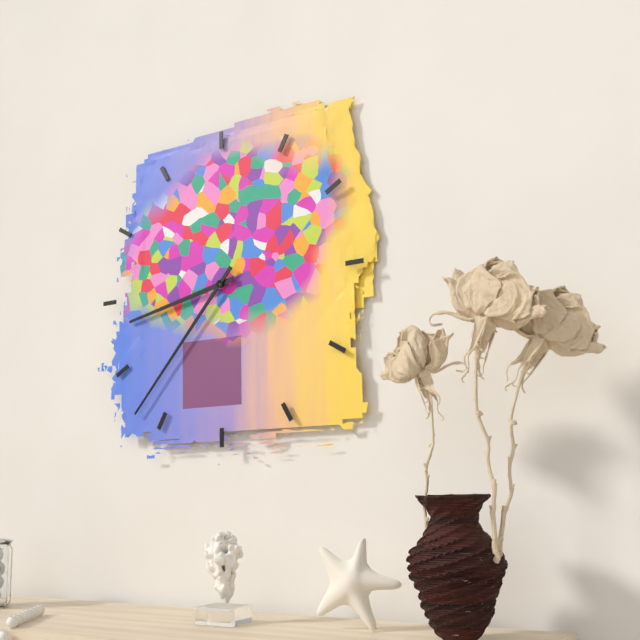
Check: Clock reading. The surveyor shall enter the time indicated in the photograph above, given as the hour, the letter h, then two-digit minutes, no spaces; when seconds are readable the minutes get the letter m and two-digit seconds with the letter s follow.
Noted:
8h37
